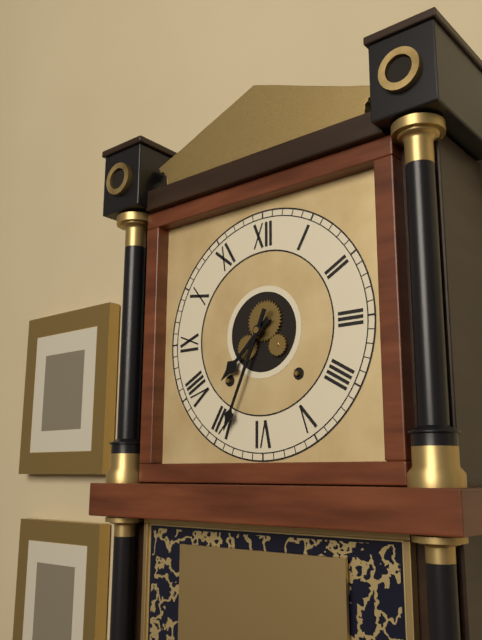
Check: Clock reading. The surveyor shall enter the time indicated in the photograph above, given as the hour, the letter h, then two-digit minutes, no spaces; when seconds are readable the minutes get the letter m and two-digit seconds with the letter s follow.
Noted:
7h34
